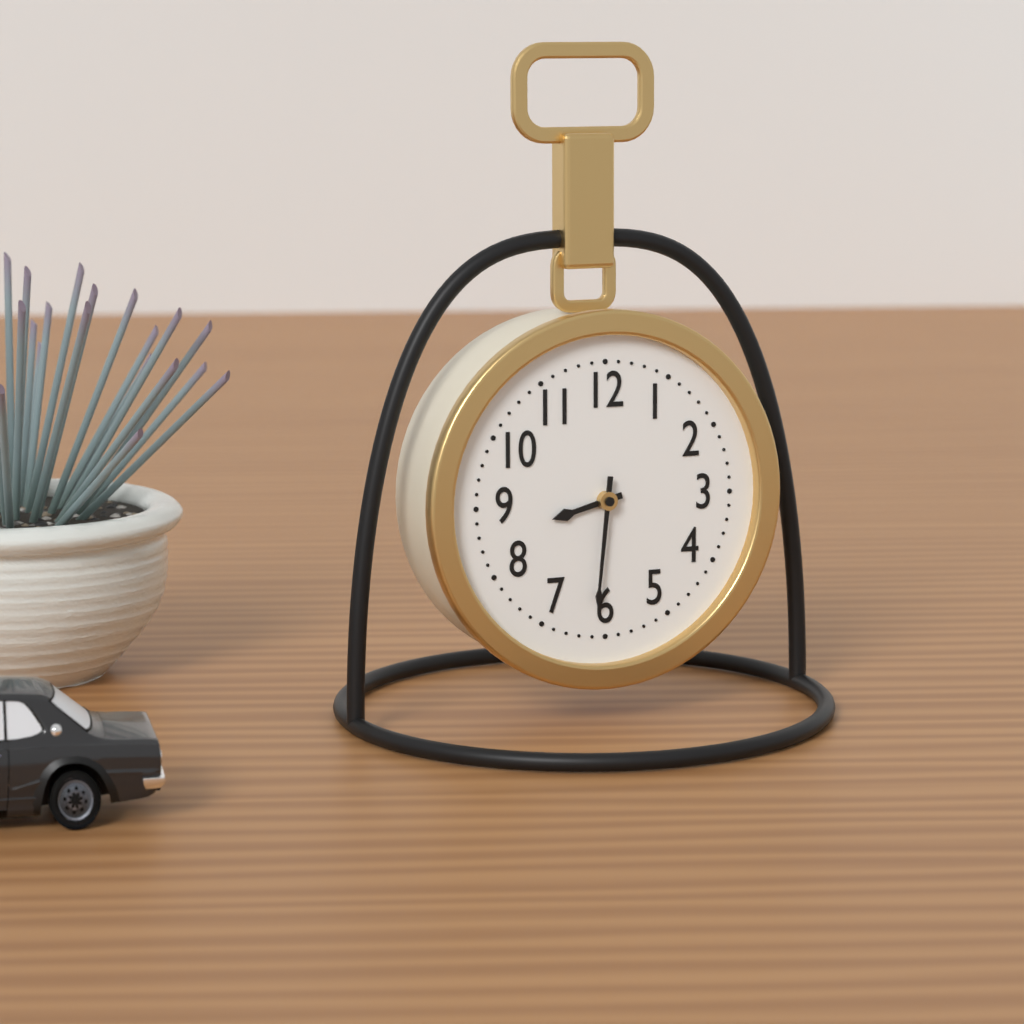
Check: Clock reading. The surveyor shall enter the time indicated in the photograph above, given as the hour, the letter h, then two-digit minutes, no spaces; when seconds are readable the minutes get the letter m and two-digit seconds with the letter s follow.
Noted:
8h31
